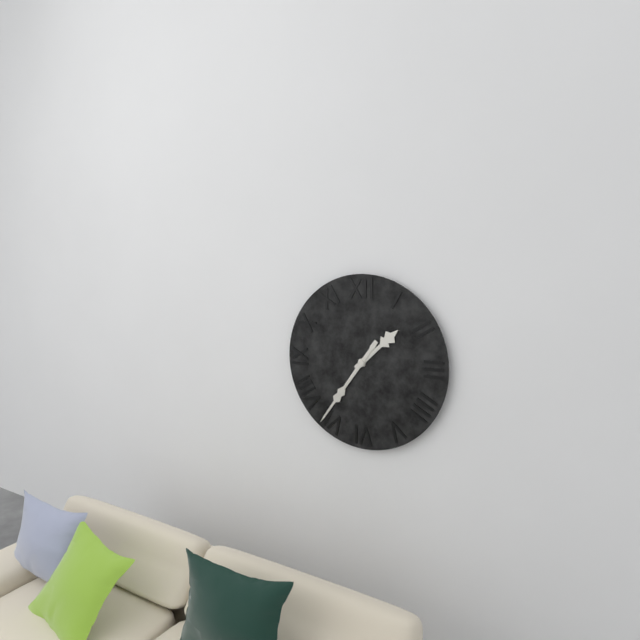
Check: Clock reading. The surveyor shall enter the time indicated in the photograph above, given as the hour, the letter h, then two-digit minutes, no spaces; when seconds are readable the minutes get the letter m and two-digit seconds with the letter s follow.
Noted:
1h36
